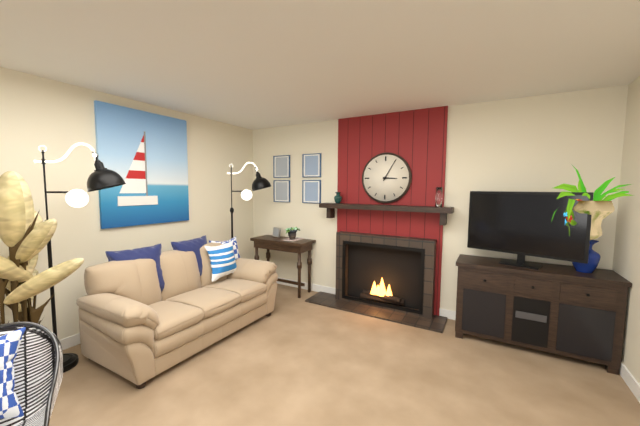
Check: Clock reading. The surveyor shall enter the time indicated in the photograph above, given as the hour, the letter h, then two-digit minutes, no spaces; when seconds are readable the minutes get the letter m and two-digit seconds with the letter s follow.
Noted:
3h05
